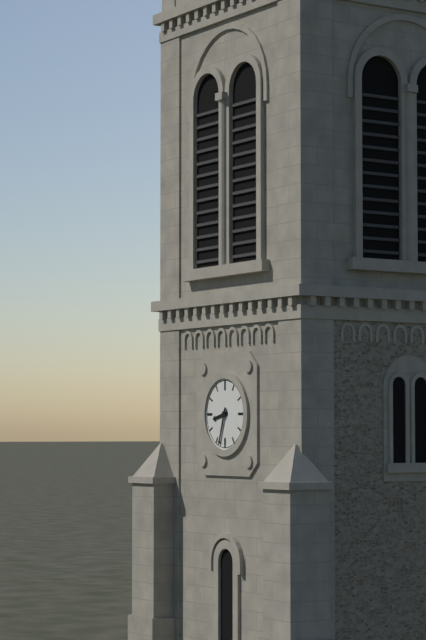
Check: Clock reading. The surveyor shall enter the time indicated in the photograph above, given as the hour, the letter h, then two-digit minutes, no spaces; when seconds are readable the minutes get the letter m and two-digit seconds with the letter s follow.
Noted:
8h33
